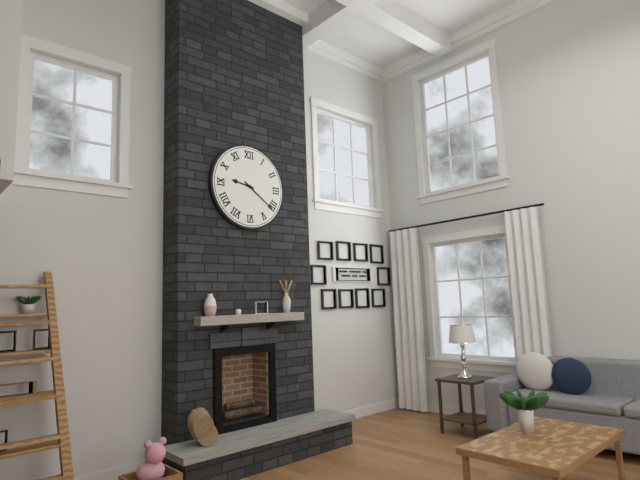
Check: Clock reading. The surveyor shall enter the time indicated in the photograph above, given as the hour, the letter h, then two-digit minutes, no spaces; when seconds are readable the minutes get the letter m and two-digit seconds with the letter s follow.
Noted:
9h21
